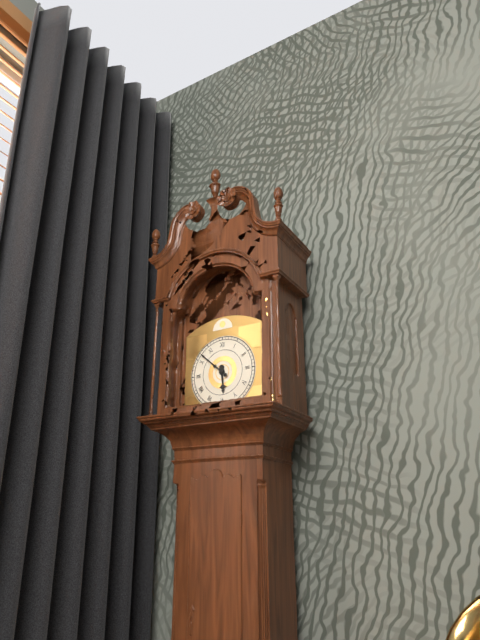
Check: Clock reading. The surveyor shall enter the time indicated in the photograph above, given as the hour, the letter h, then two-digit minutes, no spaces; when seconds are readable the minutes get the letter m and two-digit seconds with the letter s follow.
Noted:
5h52
